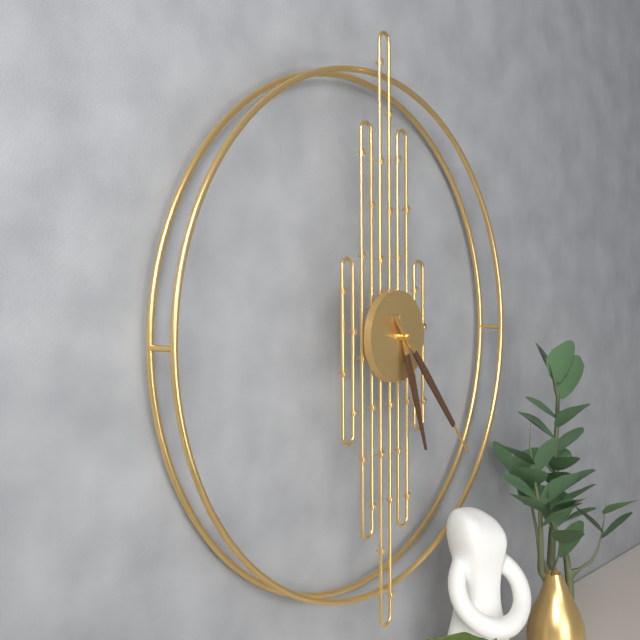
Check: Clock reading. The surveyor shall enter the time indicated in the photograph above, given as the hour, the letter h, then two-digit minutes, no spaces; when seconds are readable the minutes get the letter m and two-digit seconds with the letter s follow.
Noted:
5h23
